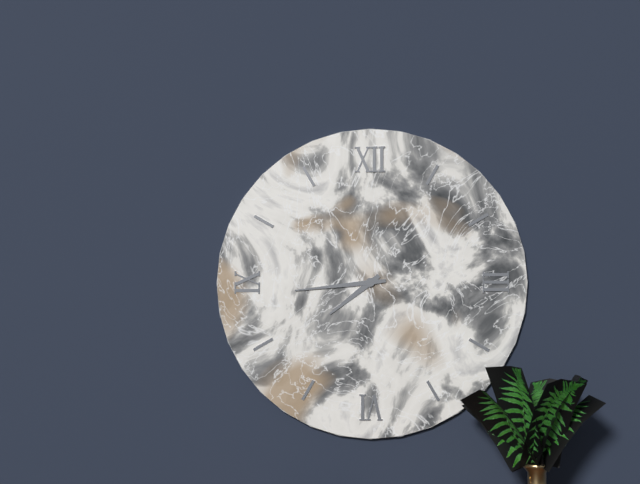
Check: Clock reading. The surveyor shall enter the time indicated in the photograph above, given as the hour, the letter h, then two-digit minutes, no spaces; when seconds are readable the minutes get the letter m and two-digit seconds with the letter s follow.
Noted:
7h44
